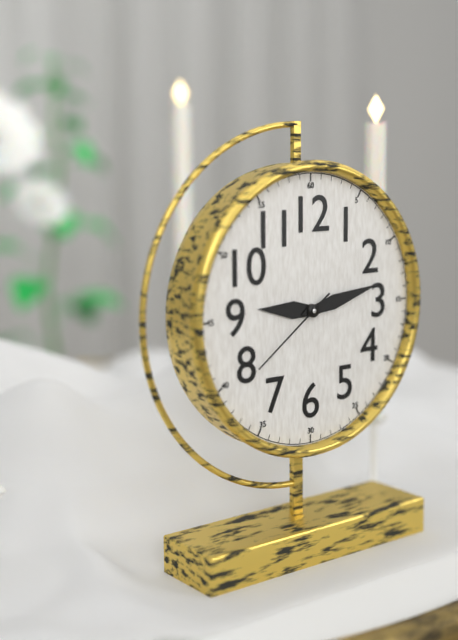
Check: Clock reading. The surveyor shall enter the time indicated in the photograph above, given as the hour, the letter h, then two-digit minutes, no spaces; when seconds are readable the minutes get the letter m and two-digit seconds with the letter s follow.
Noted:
9h13m39s
